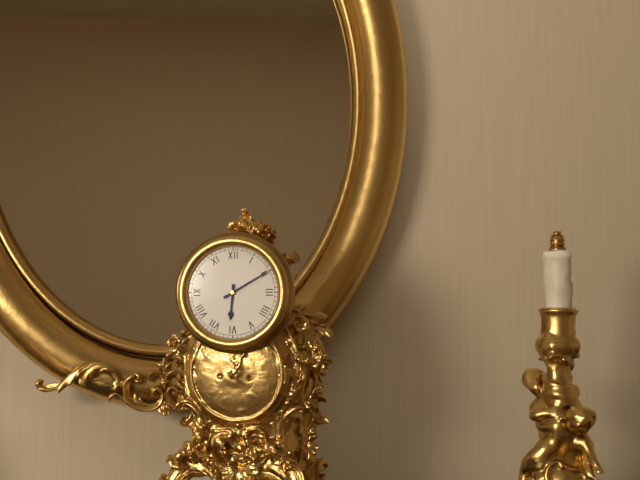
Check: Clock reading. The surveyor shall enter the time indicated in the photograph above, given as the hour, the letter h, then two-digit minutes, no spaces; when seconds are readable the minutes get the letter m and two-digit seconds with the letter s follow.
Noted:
6h10
